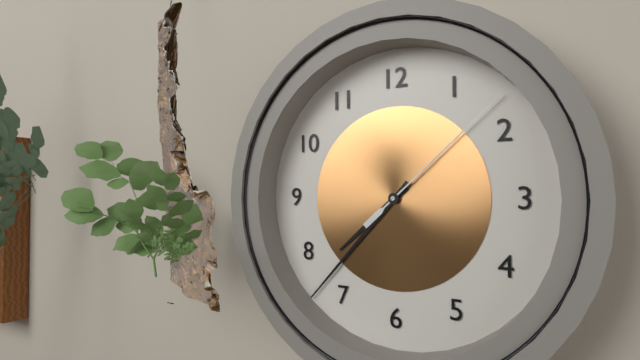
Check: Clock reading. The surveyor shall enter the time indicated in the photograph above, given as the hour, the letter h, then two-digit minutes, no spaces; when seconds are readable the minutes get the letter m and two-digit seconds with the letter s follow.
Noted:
7h37m08s
